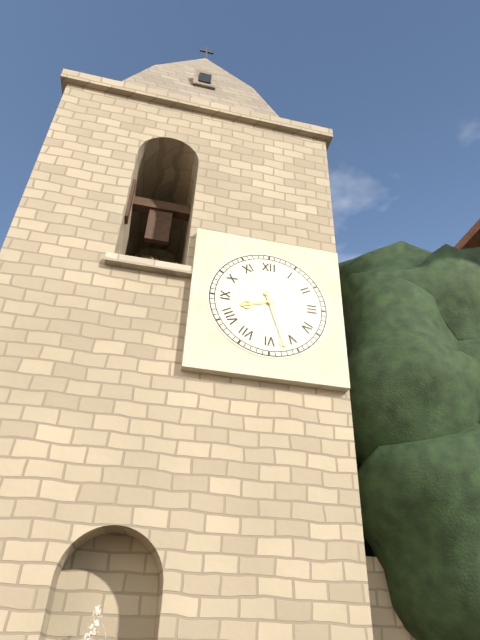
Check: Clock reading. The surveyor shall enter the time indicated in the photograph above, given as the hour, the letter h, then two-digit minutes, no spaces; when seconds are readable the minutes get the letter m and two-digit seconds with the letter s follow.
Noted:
8h27
